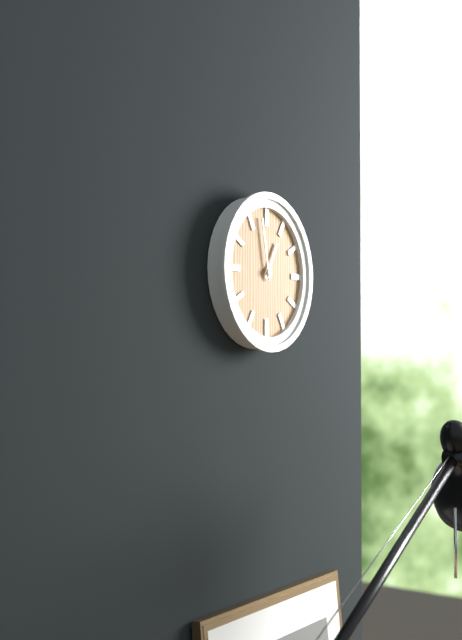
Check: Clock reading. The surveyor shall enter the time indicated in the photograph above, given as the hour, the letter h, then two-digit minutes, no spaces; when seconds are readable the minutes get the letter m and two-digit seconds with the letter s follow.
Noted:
12h58
